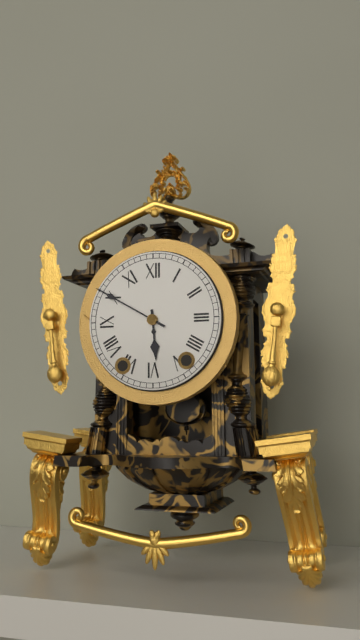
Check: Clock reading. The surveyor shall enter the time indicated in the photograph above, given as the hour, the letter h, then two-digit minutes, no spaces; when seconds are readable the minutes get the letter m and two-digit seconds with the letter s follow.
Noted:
5h50
